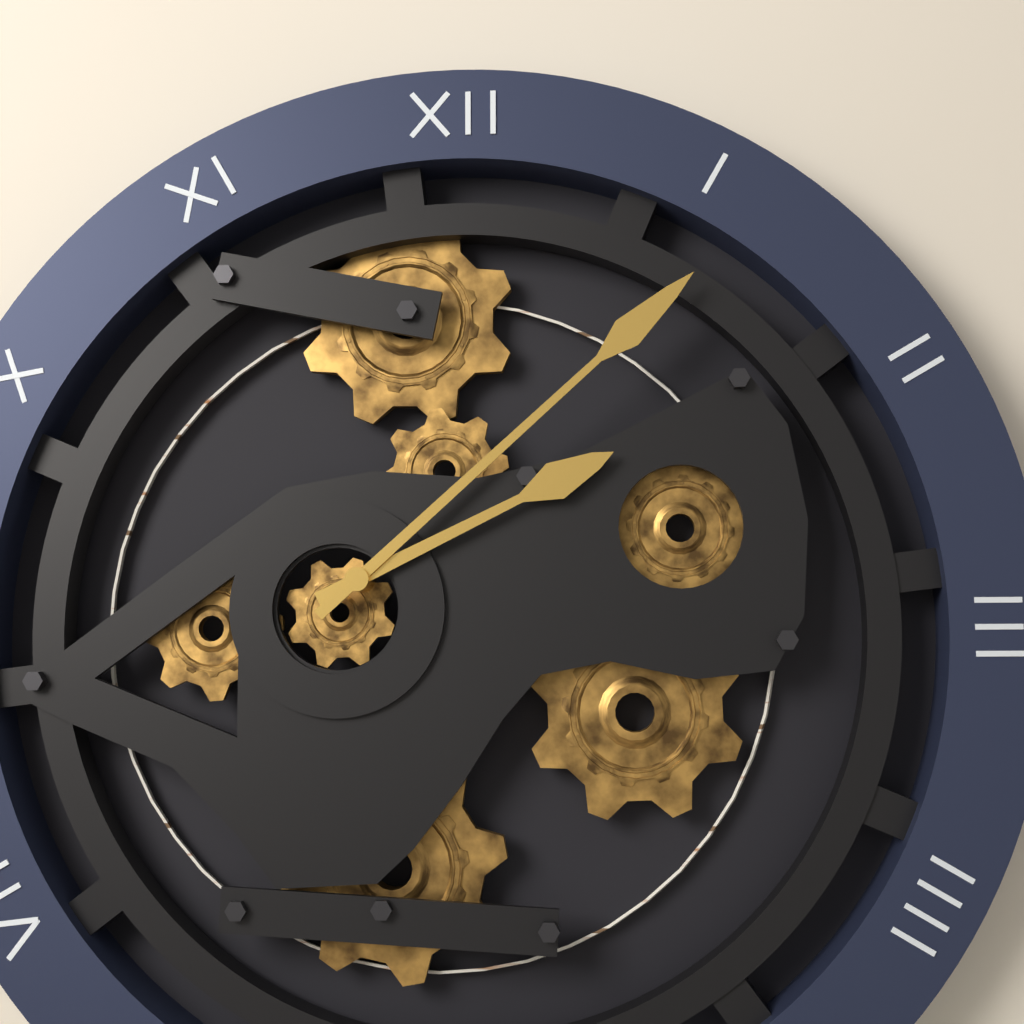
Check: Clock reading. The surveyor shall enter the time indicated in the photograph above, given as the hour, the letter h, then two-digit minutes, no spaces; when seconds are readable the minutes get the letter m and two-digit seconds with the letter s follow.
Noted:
2h08
